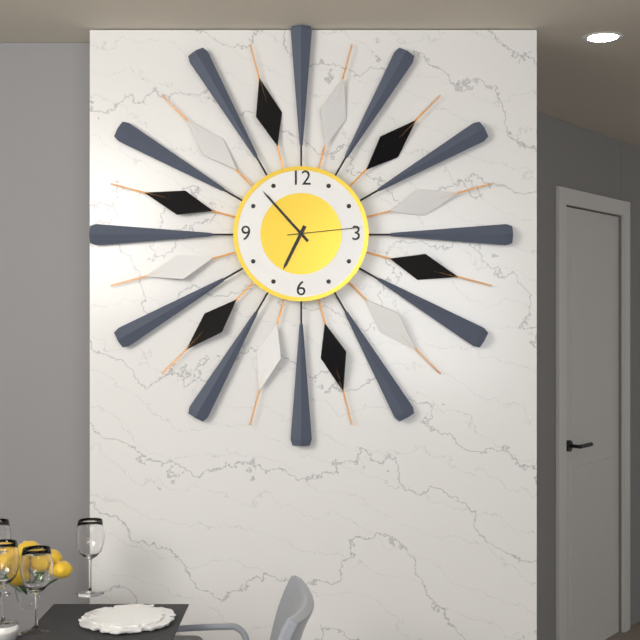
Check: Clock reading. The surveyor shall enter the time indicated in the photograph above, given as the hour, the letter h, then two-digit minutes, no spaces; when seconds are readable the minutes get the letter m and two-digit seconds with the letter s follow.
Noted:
6h53m14s
